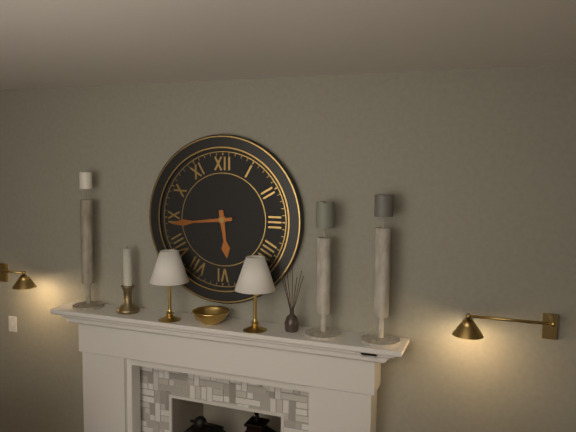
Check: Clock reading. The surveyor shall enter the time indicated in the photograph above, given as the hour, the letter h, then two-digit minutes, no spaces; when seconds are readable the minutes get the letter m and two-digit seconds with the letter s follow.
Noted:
5h44
